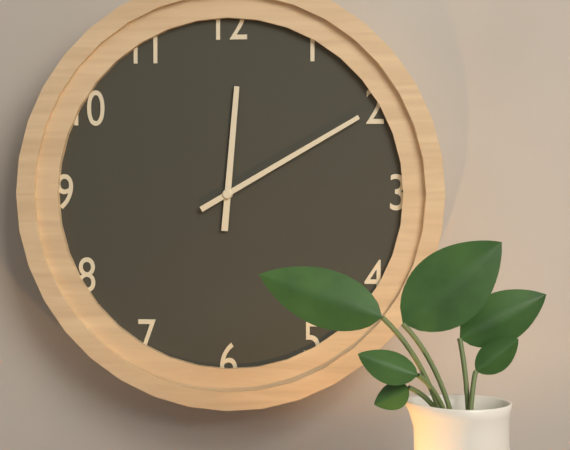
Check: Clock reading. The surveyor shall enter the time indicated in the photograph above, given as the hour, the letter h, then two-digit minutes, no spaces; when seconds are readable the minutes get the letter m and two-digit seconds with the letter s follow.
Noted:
12h10
